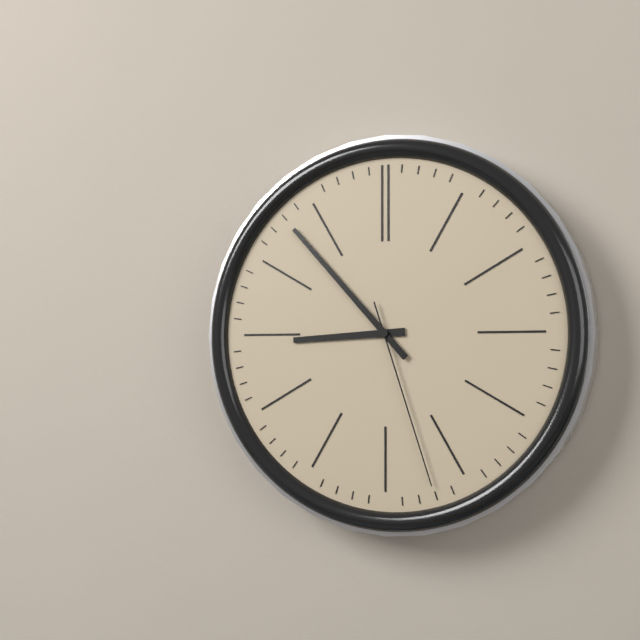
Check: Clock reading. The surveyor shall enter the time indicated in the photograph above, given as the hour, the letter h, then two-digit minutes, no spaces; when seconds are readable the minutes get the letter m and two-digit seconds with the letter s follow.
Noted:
8h53m27s
